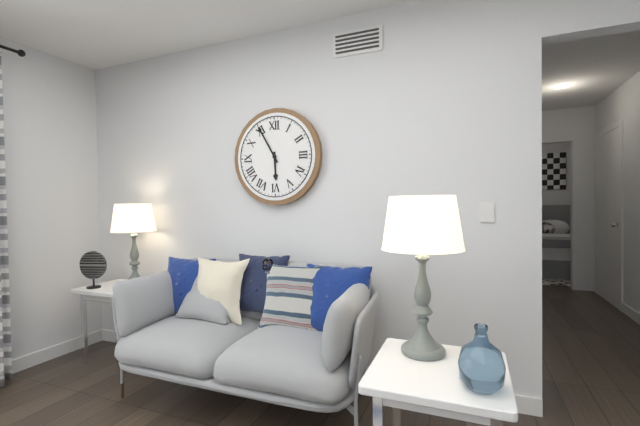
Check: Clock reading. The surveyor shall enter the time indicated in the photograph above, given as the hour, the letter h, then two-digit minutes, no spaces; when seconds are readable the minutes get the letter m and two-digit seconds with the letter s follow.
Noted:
5h55
